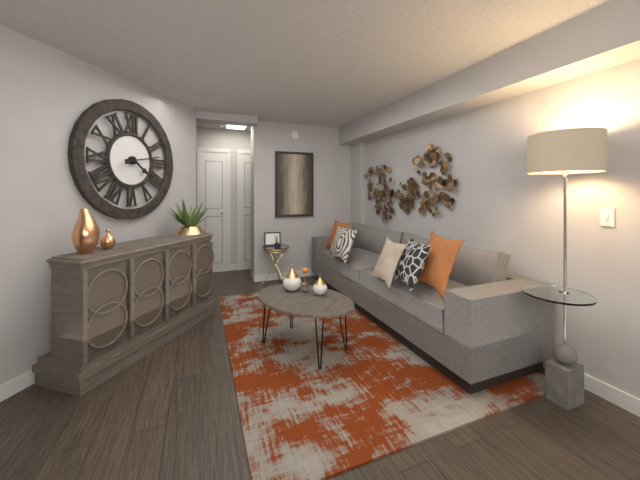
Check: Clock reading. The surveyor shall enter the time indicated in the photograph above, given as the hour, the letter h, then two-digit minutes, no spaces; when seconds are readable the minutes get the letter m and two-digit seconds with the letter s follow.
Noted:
4h13
